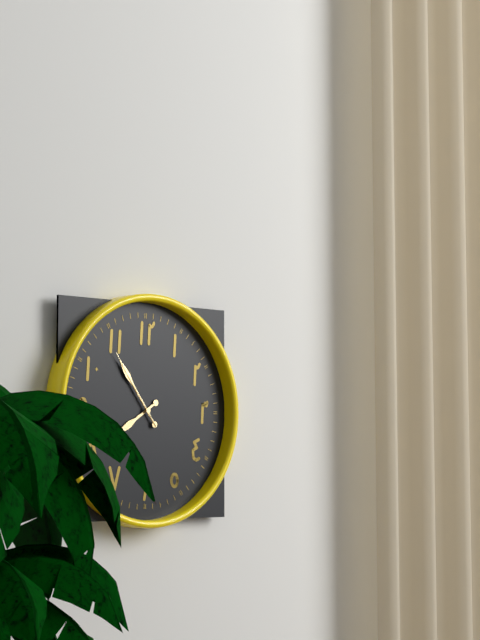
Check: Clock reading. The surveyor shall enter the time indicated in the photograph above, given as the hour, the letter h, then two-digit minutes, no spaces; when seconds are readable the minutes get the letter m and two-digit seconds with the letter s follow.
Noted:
7h54m54s
